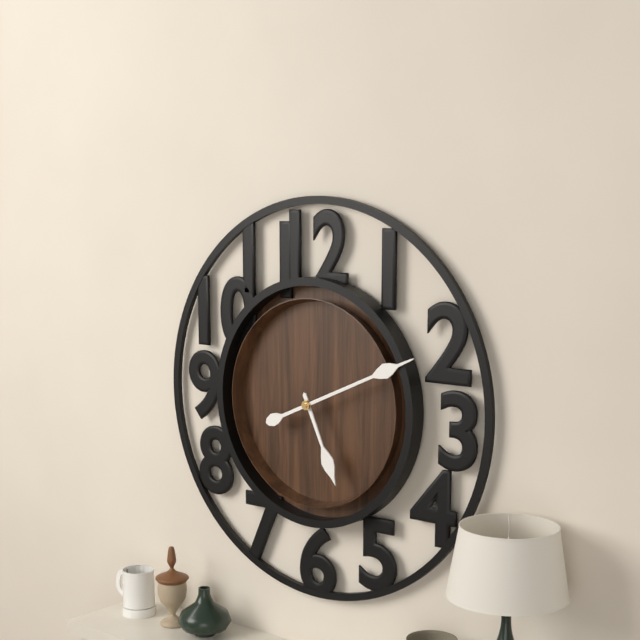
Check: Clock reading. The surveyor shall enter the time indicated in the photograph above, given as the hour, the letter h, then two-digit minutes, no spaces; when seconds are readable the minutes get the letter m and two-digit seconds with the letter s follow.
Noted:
5h11
